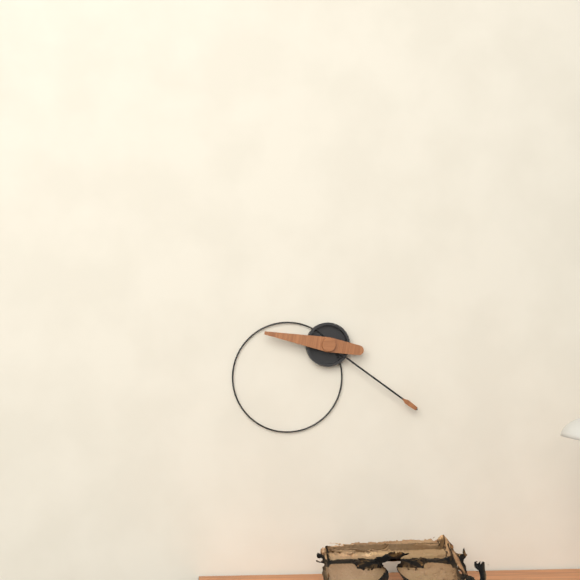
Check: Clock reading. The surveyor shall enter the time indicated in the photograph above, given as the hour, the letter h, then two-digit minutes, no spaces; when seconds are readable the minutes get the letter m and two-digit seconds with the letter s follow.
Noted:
9h21
